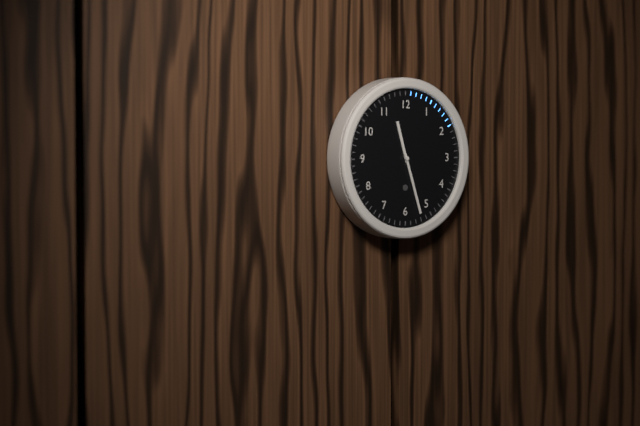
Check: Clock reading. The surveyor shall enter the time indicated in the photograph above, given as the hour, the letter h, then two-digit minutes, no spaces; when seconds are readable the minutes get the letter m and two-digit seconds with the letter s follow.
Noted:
11h27
